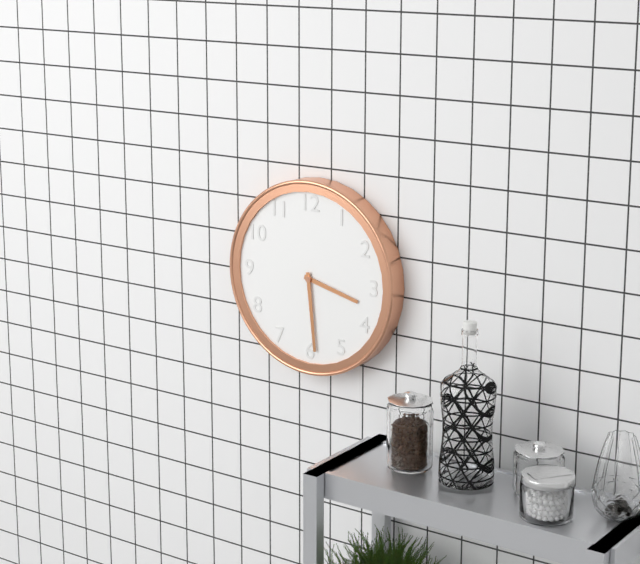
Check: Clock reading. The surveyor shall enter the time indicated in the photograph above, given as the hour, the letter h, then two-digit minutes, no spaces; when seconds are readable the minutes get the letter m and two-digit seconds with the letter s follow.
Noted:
3h29
